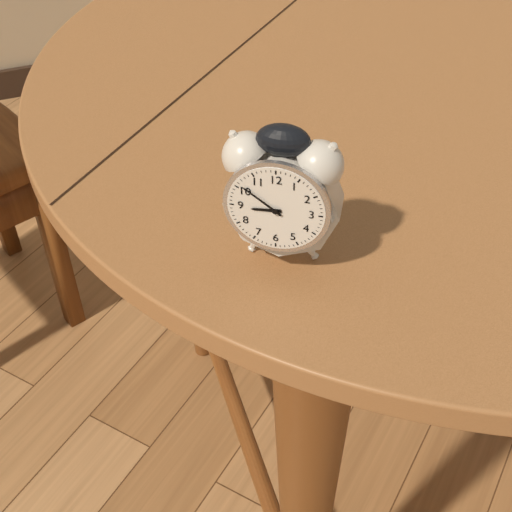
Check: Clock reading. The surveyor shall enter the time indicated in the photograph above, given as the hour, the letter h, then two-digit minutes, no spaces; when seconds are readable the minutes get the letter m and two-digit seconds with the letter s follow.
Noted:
8h51
